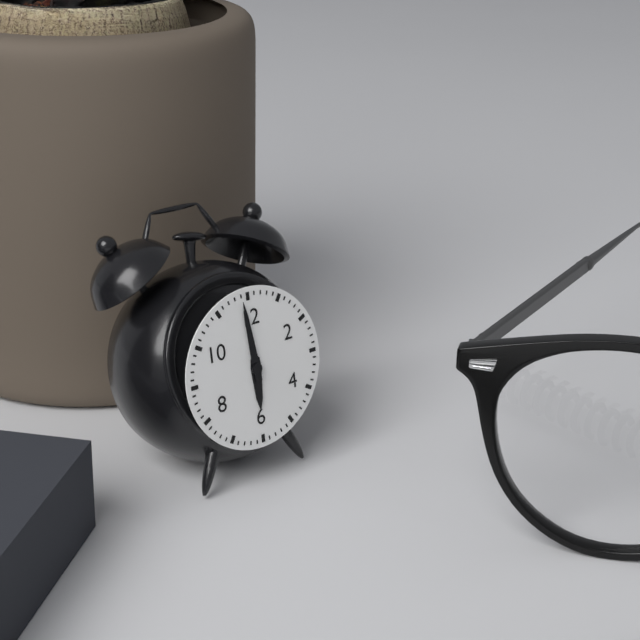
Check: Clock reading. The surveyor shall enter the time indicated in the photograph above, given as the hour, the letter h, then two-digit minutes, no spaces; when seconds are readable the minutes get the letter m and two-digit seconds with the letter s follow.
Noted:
5h59
